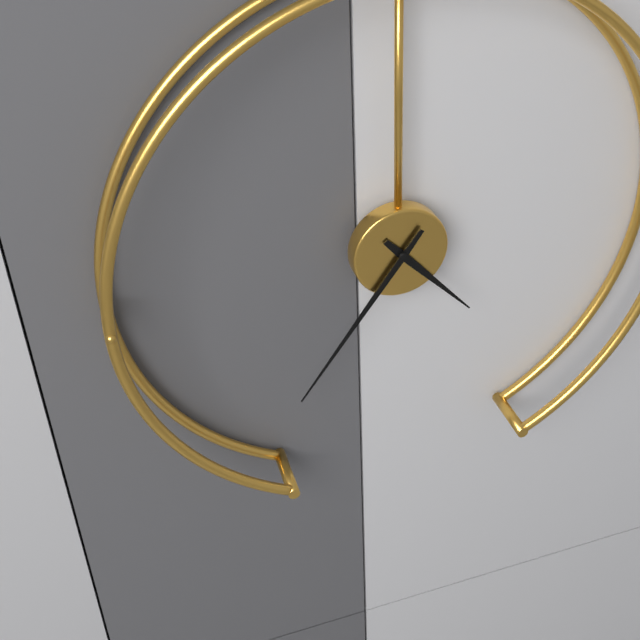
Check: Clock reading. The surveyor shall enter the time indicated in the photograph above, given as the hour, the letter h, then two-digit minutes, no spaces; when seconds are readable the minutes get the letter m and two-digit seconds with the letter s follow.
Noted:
4h36
